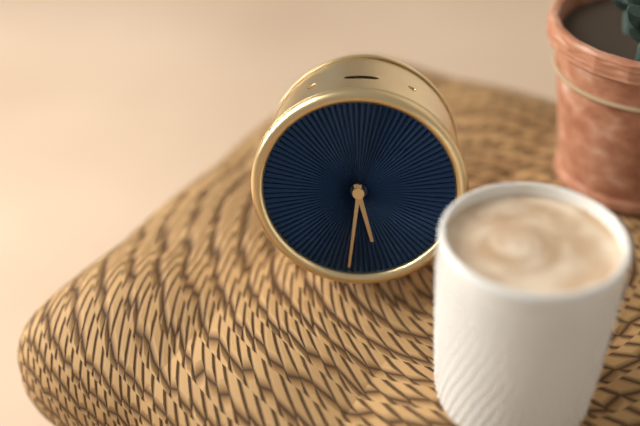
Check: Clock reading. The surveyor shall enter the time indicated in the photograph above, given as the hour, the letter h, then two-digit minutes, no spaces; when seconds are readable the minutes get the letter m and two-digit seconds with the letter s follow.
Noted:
5h31
